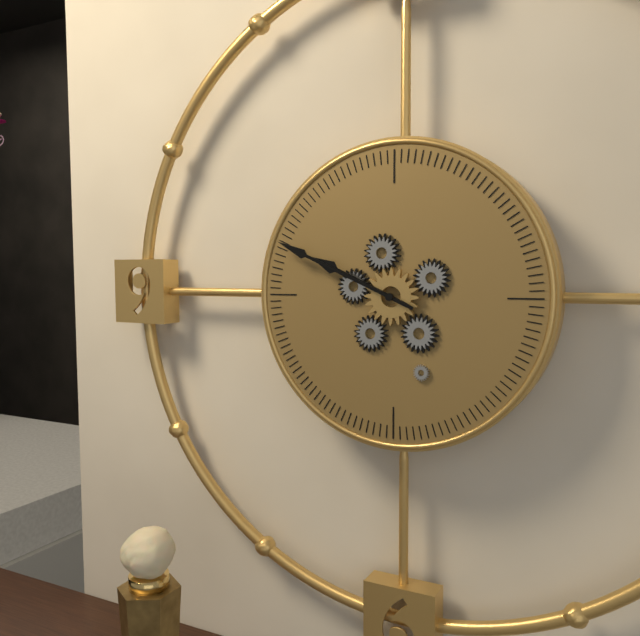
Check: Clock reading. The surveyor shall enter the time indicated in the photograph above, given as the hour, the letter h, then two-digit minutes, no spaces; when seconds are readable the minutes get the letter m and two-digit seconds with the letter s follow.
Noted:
9h49
